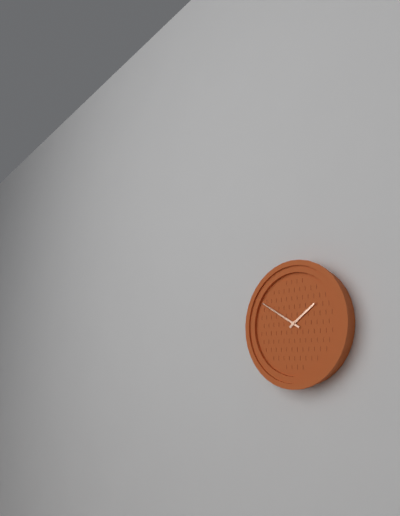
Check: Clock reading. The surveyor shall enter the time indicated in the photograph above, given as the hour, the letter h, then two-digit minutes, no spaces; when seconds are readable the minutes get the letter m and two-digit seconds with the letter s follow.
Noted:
1h50
